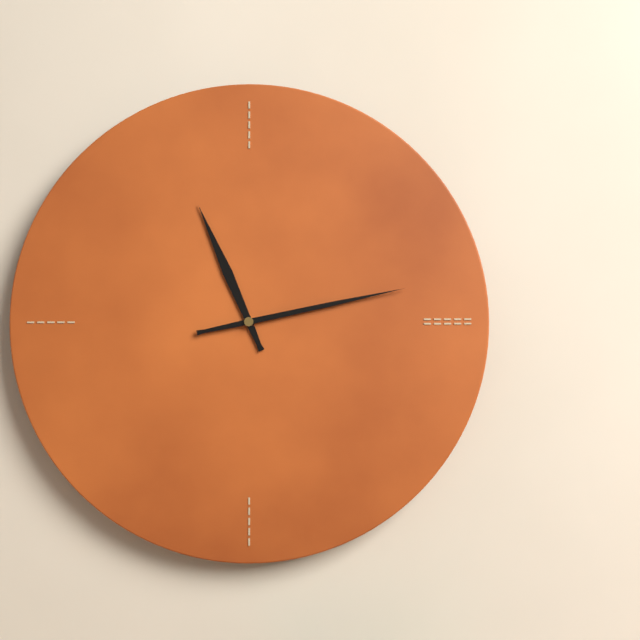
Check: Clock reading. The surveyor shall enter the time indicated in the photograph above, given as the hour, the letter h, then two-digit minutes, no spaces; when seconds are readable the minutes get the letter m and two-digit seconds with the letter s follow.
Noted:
11h13
